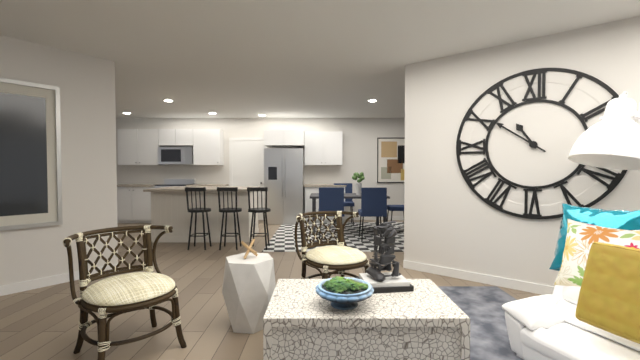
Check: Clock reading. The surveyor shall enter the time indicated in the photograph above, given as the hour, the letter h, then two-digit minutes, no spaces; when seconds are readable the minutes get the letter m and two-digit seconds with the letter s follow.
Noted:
10h51
